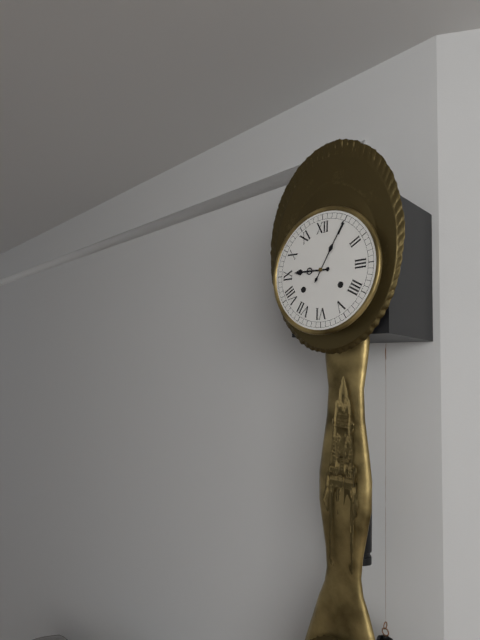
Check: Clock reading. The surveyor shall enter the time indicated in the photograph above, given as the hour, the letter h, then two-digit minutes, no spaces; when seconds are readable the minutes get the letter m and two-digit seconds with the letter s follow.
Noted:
9h05
